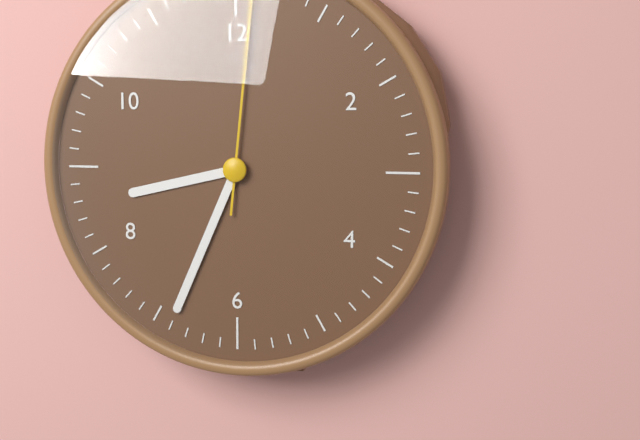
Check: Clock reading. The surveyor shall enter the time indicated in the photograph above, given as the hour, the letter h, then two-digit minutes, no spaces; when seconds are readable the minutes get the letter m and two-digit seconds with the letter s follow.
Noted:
8h34
